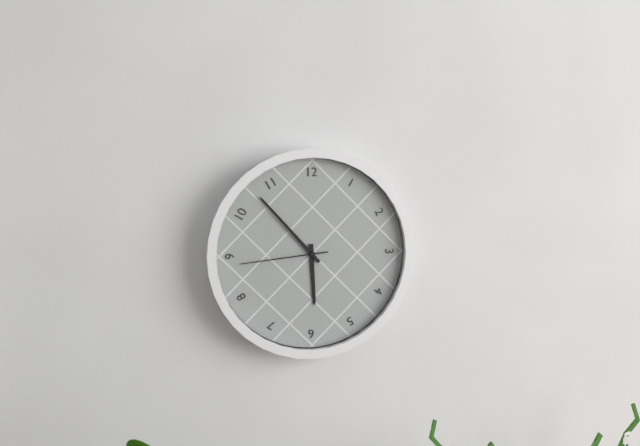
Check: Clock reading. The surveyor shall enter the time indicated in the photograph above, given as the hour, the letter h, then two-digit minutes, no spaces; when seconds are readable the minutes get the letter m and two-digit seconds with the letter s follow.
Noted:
5h53m44s
